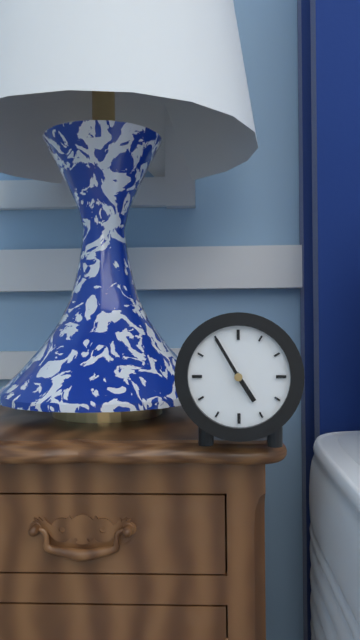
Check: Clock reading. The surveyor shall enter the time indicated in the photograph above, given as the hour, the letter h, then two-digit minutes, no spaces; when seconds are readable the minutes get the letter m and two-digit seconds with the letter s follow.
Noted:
4h55
